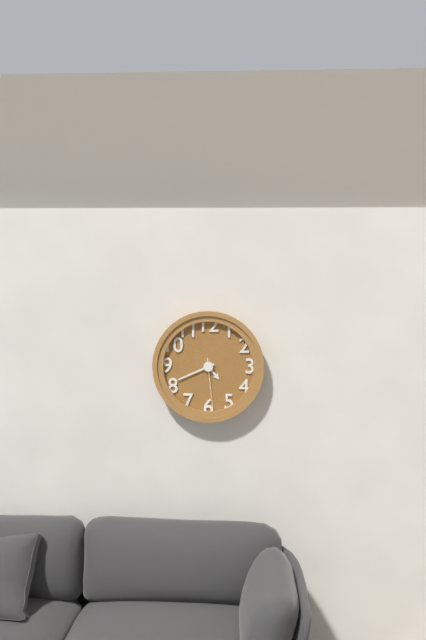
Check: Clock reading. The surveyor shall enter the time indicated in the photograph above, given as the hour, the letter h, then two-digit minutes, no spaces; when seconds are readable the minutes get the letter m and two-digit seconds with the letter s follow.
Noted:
4h41m29s
